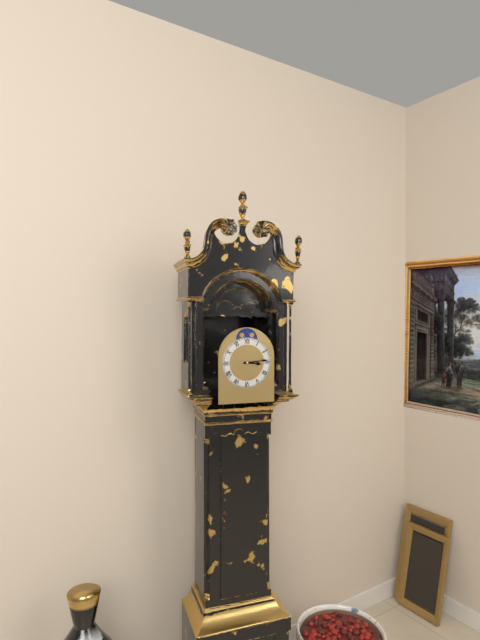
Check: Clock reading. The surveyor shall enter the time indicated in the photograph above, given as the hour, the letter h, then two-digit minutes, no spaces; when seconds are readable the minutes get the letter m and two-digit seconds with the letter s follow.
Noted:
3h14
